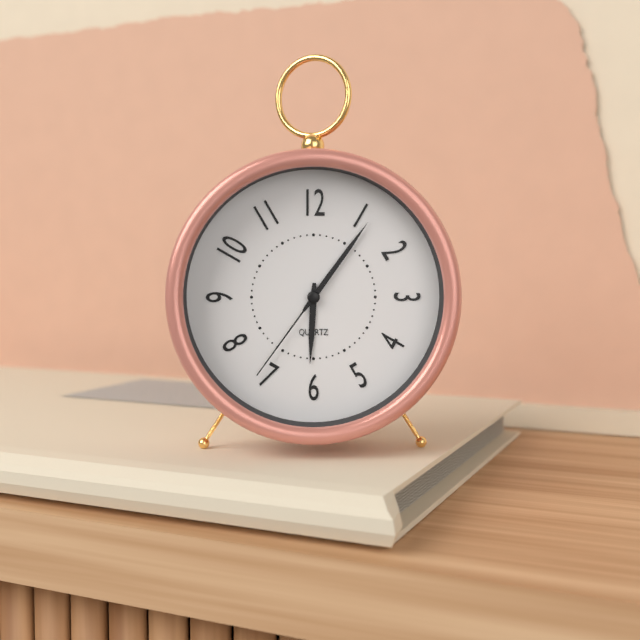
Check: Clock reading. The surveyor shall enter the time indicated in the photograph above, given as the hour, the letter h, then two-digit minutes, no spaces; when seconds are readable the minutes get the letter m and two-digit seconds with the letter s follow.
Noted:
6h06m36s
